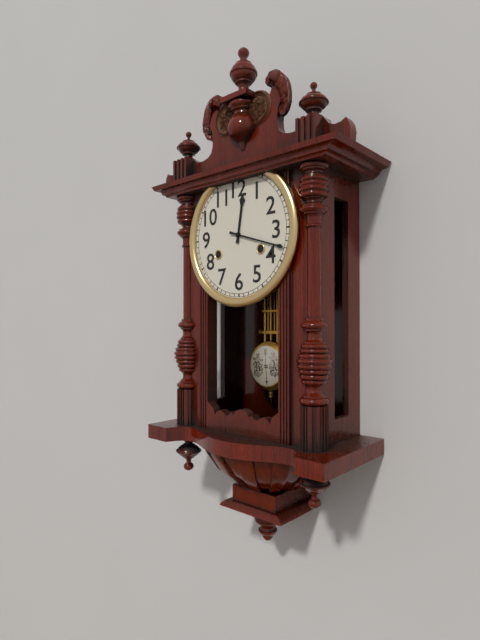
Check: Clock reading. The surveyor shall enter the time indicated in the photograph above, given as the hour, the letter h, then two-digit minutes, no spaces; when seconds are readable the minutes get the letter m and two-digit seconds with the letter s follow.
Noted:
12h18
